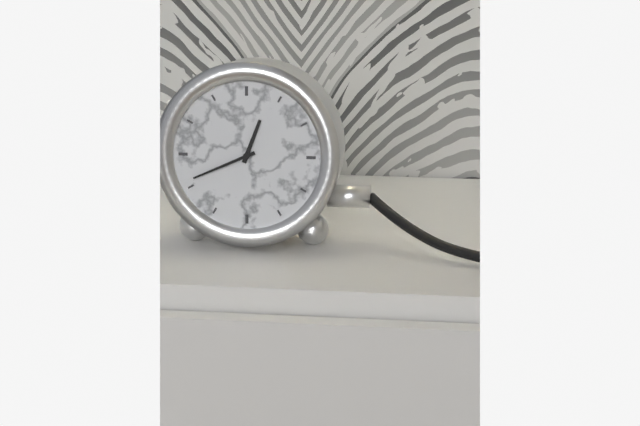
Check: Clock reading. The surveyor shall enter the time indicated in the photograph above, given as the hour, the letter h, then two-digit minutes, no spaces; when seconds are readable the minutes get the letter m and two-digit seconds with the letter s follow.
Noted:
12h41
